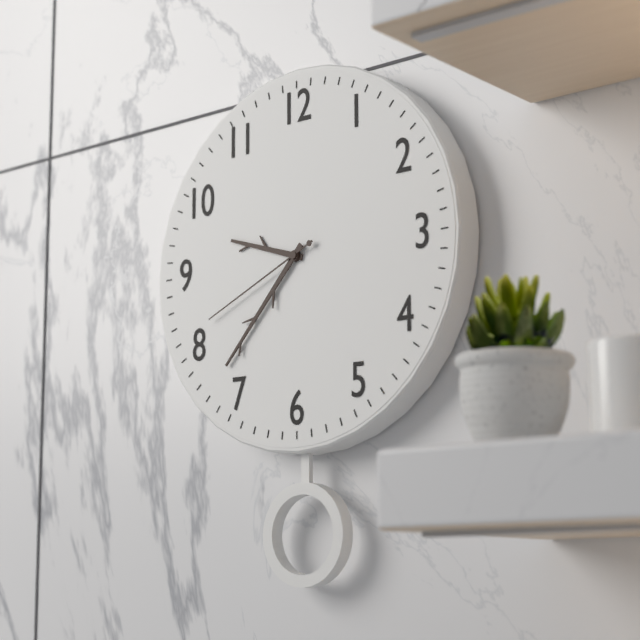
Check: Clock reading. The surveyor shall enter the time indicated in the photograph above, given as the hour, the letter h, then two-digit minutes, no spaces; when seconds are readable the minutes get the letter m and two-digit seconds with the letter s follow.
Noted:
9h37m41s
